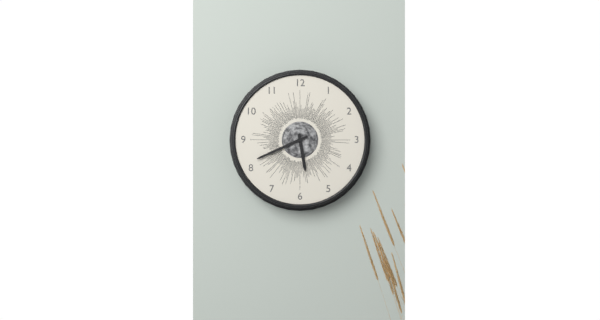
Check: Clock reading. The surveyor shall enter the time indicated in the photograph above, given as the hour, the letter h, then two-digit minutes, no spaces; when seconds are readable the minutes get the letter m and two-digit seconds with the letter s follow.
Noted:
5h41
